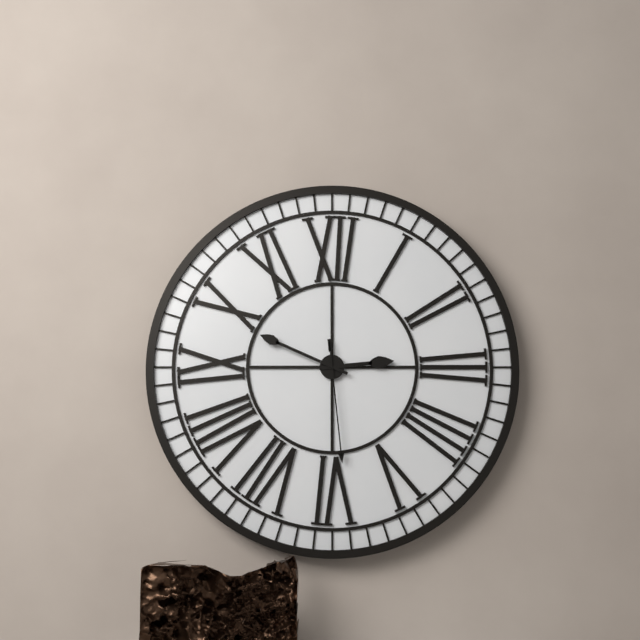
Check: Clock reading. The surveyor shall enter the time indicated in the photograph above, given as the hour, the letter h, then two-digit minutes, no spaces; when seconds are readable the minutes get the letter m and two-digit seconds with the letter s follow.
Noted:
2h49m29s
